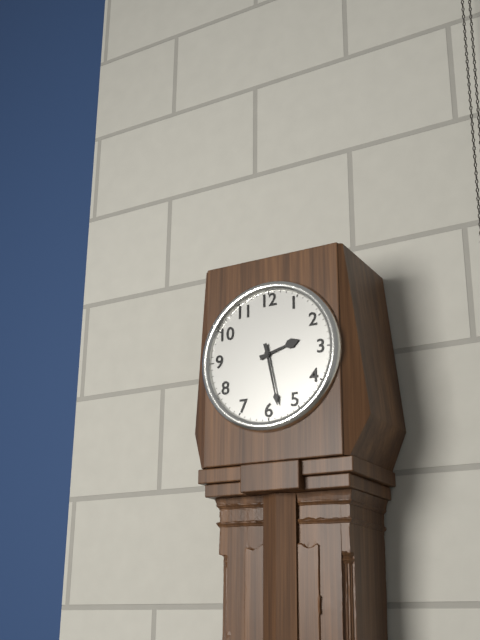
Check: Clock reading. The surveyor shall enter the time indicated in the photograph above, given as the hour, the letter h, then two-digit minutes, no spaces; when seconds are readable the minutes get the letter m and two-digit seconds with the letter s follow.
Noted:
2h28
